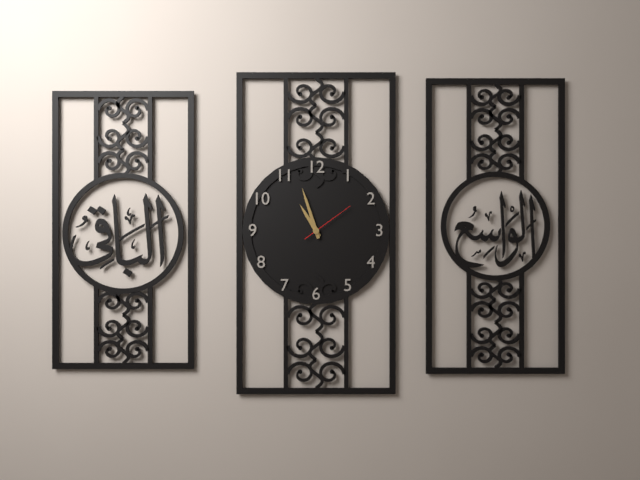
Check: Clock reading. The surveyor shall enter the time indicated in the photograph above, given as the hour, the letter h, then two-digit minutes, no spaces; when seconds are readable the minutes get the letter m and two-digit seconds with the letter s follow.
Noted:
10h57m09s
